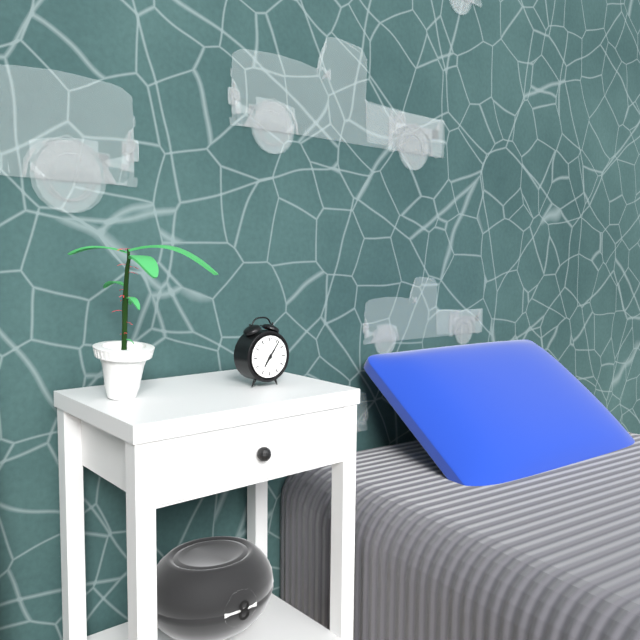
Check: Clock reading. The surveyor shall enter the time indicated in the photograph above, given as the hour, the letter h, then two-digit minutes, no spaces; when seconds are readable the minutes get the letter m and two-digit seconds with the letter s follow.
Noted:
7h06
